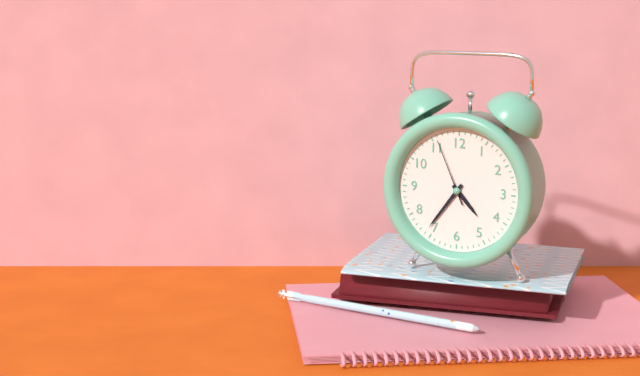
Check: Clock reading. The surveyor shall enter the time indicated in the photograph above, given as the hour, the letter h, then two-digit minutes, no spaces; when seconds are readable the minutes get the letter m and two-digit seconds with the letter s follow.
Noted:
4h36m56s
